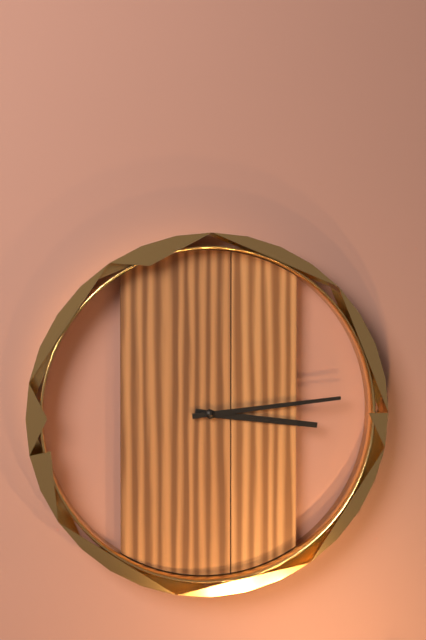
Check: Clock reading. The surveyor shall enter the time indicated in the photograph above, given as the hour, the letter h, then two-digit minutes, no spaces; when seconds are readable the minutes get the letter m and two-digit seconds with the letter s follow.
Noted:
3h14
